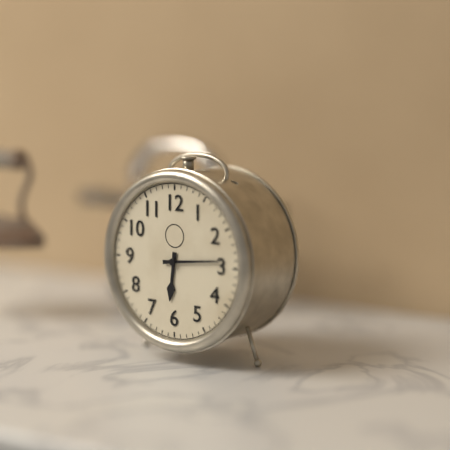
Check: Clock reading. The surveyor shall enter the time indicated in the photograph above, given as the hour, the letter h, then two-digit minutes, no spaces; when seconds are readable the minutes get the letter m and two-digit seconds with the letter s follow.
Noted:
6h14
